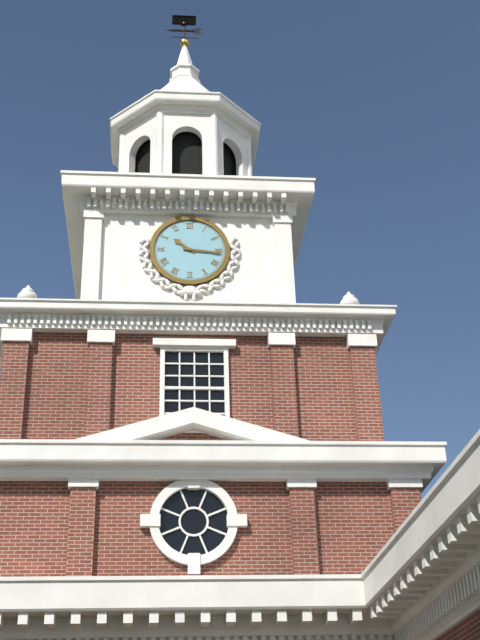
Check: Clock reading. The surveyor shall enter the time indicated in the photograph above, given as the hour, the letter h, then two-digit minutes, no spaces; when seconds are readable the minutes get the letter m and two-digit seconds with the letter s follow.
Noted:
10h16
